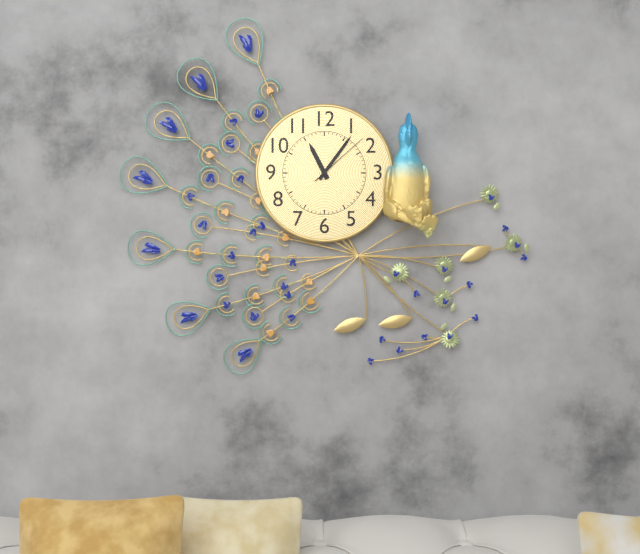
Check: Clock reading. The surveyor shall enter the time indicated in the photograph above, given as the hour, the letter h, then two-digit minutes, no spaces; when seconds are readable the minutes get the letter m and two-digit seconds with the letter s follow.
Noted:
11h06m08s
